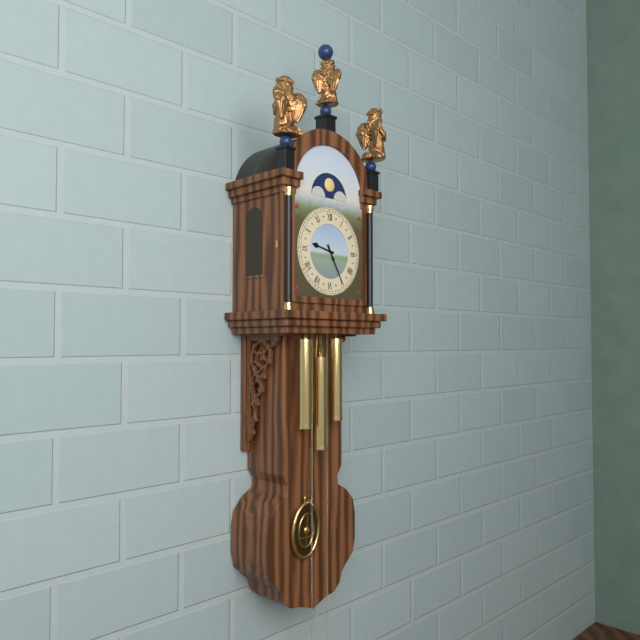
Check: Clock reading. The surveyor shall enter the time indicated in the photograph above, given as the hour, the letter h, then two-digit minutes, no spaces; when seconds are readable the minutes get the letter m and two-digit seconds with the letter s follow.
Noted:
9h25
